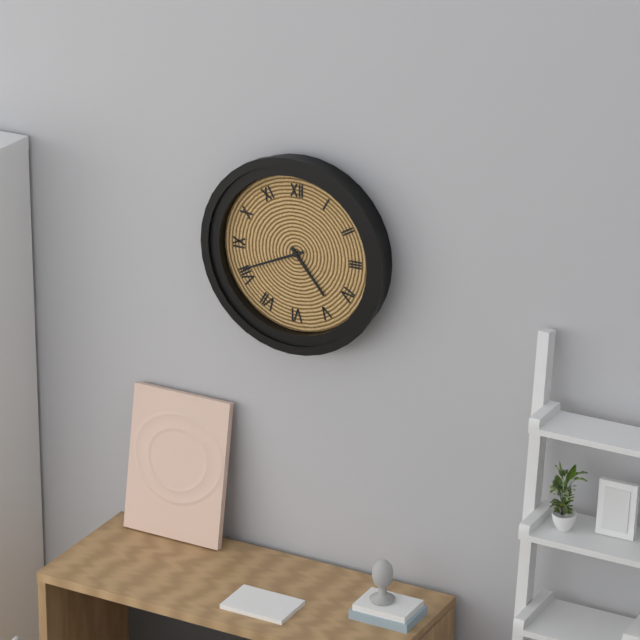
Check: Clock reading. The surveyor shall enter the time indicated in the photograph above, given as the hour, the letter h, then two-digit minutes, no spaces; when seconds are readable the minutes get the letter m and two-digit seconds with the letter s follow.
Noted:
4h41
